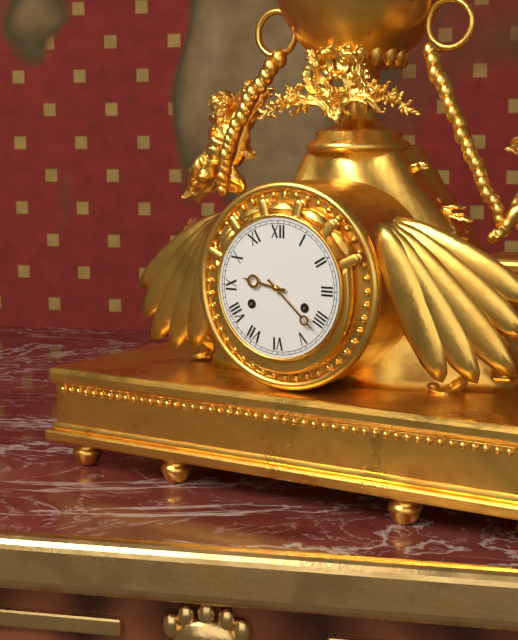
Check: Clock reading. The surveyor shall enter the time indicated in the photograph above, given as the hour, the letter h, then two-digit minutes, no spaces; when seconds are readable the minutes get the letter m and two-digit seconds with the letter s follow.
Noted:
9h22
